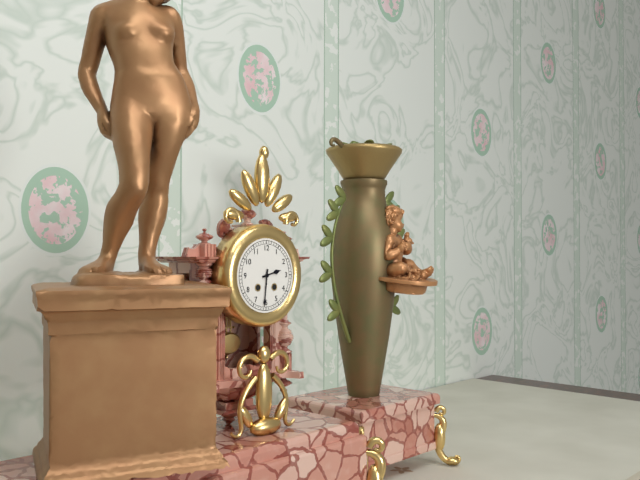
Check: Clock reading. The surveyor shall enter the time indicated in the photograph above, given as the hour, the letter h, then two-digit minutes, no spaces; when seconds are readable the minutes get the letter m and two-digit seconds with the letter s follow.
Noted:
2h31
